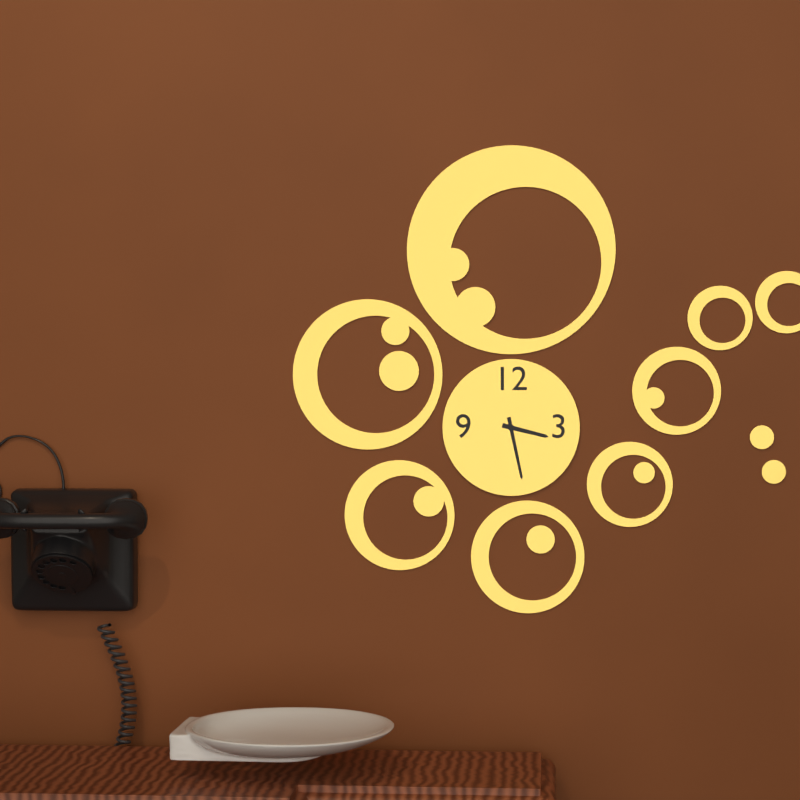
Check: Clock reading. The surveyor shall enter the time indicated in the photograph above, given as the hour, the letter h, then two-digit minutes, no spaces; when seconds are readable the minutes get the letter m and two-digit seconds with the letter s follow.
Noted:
3h28
